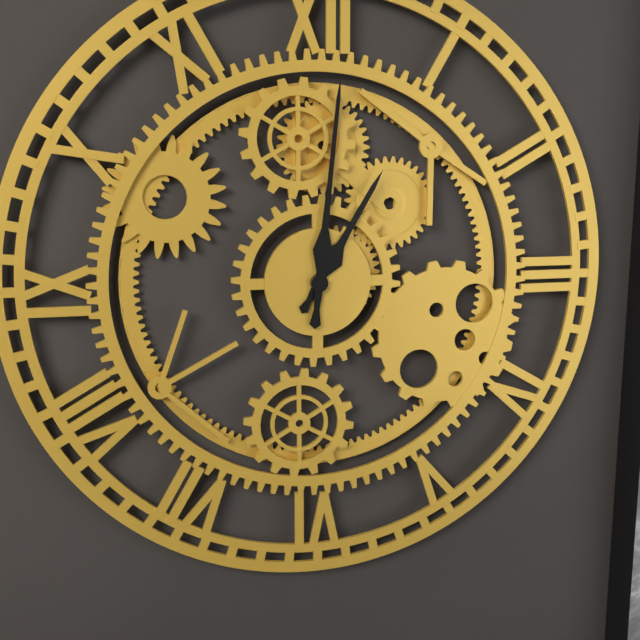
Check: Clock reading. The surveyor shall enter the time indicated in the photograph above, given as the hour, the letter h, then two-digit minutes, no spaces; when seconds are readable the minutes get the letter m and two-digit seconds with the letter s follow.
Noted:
1h01
